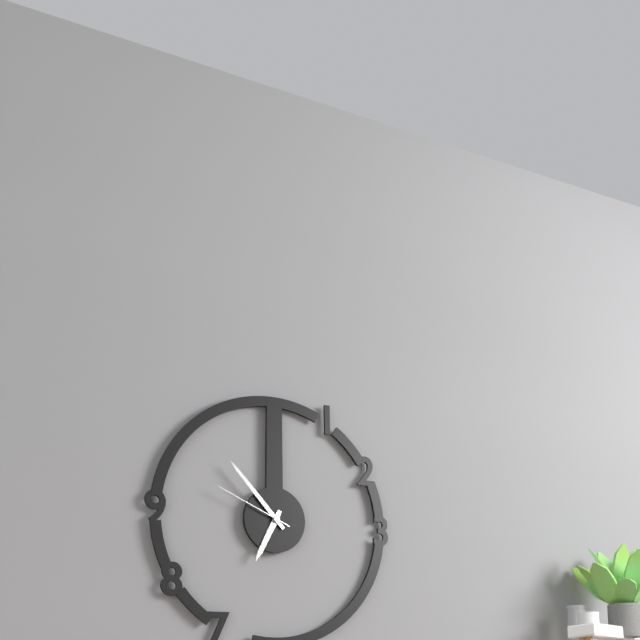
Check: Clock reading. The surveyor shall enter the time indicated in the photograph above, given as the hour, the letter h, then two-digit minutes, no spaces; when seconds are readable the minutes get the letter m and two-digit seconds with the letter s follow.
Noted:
6h53m49s
